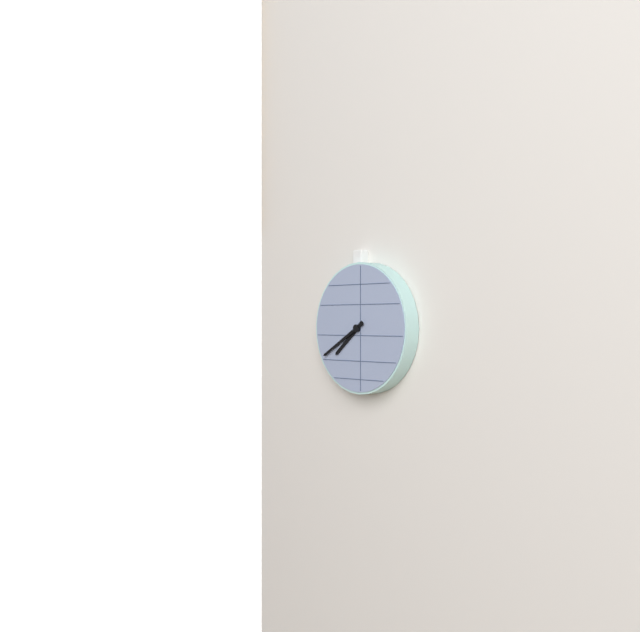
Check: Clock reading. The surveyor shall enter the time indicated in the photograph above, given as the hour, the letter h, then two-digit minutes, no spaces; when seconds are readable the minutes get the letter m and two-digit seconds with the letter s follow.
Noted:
7h40
